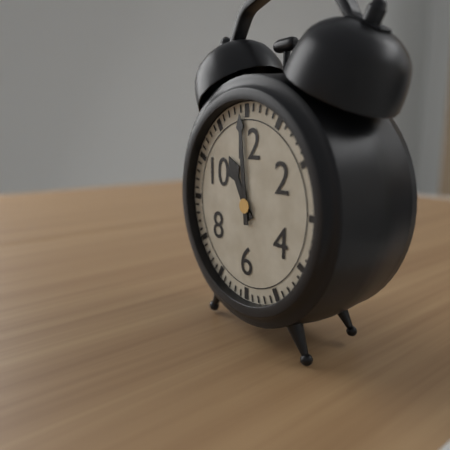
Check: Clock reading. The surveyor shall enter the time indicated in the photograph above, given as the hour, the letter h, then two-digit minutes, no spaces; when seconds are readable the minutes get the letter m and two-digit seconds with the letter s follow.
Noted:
10h59
